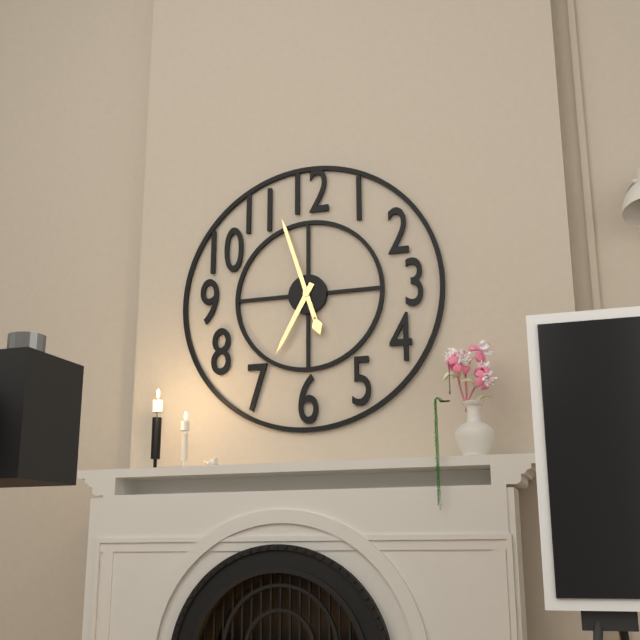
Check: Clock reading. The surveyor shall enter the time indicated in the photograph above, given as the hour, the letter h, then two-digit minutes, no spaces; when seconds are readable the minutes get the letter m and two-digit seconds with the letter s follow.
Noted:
6h57
